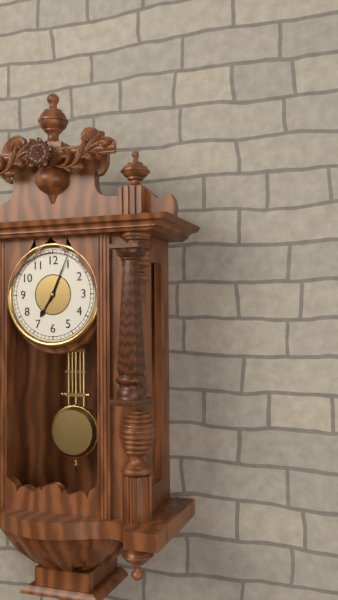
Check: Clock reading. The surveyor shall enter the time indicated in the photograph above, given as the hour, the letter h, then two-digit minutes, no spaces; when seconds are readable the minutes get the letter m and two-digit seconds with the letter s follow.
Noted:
7h04
